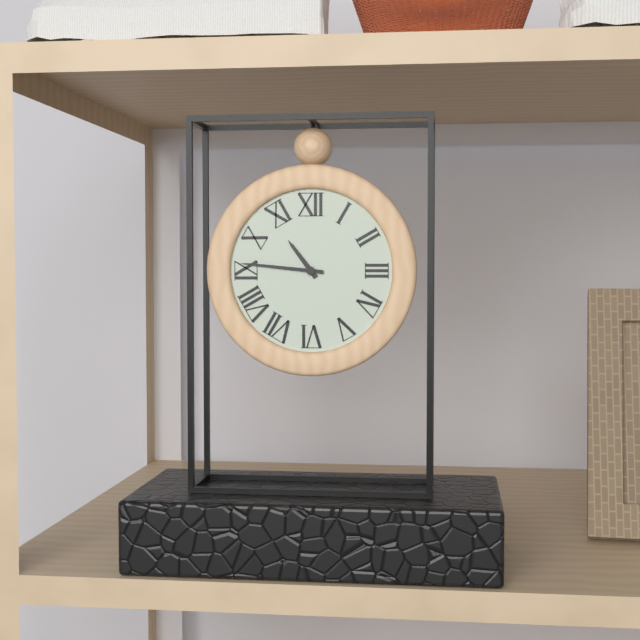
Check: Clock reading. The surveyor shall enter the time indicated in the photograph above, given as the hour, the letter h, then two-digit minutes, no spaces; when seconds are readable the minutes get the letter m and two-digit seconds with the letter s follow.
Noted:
10h46
